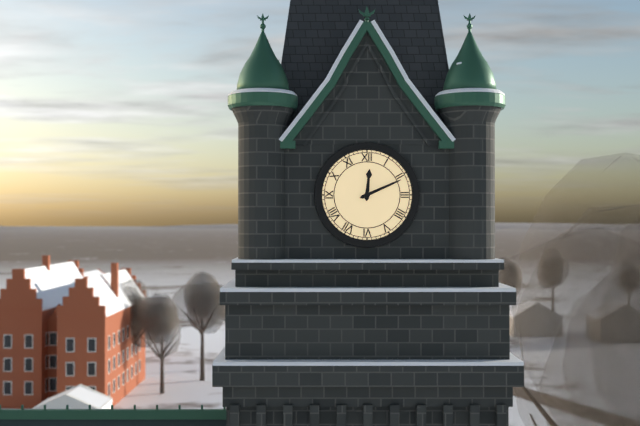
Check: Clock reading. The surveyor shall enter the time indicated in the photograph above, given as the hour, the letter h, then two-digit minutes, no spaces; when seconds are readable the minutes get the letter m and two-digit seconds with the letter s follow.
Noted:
12h11
